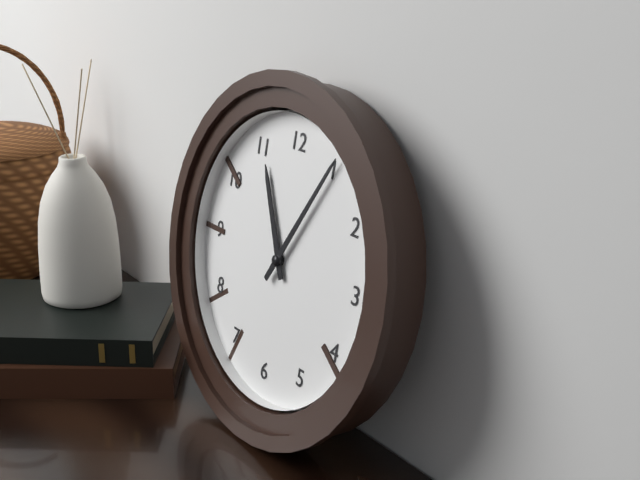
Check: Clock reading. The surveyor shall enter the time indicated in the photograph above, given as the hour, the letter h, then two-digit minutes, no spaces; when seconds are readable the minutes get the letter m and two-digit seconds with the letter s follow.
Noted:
11h05
